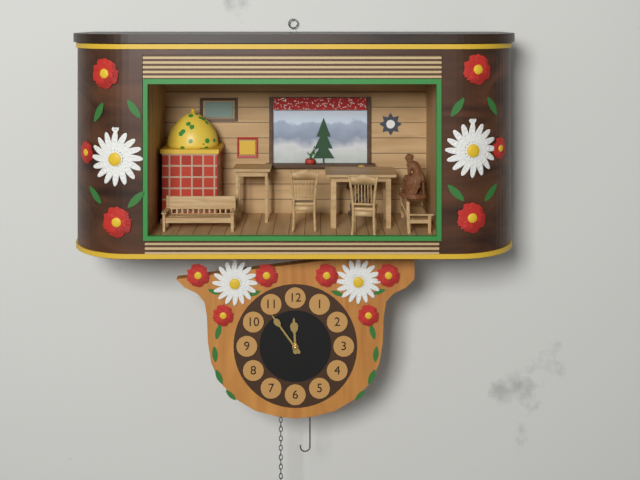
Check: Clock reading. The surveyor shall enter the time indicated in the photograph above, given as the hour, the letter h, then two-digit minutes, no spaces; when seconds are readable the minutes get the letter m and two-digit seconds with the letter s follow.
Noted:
11h54
